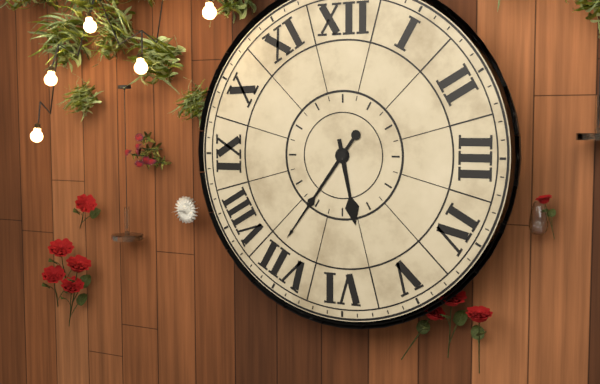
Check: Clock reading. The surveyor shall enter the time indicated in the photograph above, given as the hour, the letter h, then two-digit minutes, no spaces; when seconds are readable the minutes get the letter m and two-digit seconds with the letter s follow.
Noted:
5h36
